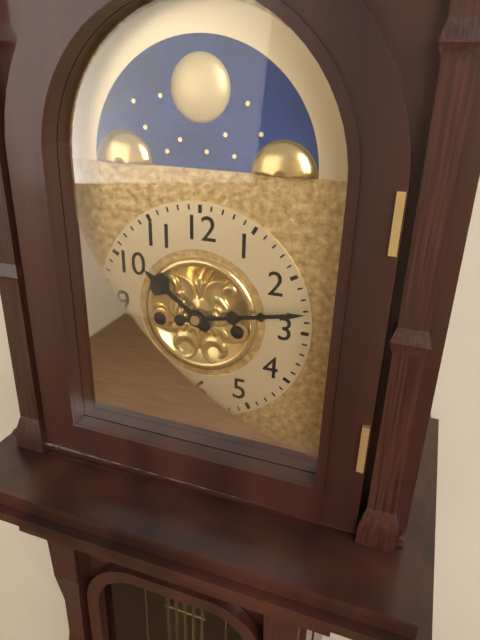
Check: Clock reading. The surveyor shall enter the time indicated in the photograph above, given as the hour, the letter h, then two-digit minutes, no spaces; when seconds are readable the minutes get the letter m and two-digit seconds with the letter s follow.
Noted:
10h13
